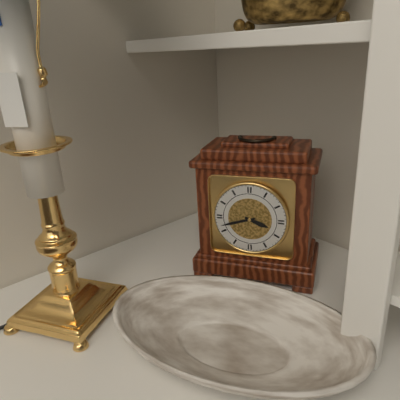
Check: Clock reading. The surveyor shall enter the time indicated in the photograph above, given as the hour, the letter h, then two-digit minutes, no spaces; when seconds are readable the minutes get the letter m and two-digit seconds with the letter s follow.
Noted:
3h42
